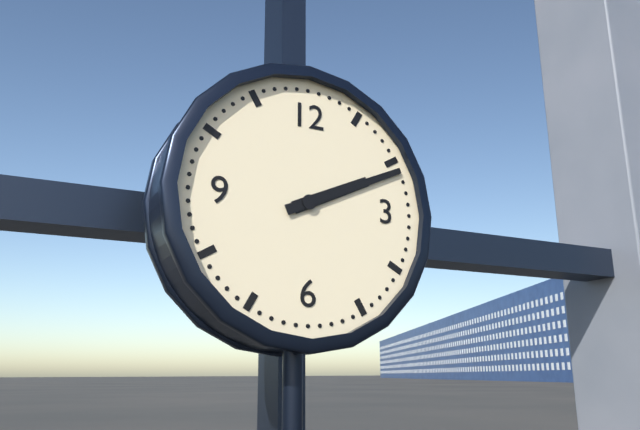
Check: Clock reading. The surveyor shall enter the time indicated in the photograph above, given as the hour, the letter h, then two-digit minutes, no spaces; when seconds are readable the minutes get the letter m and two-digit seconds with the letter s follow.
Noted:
2h11
